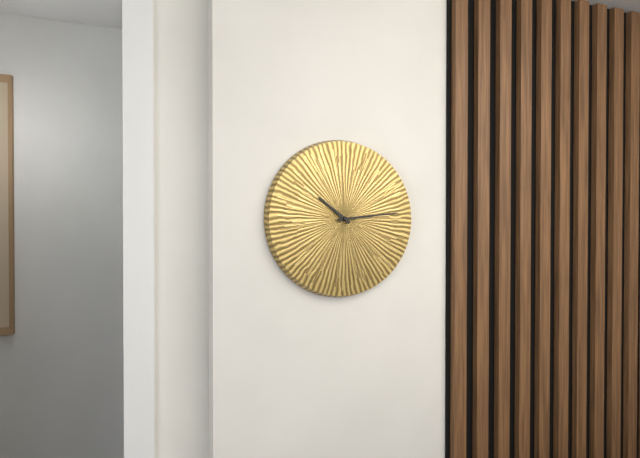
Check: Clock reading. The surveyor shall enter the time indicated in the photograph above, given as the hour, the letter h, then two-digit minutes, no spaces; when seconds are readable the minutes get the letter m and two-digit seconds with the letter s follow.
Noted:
10h14
